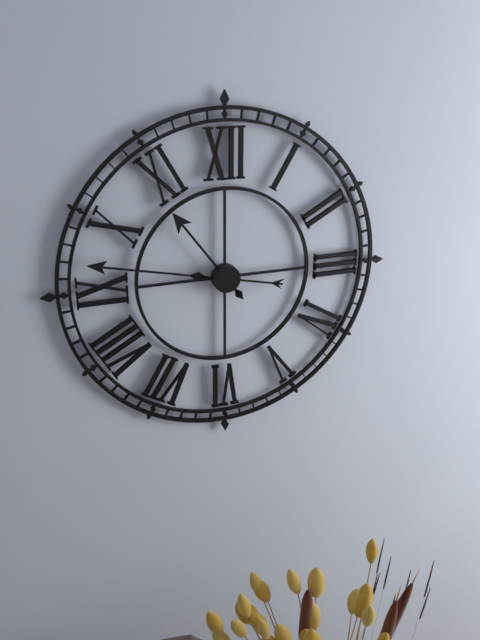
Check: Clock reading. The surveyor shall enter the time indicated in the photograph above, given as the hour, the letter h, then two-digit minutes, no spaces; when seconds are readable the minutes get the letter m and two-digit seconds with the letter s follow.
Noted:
10h47
